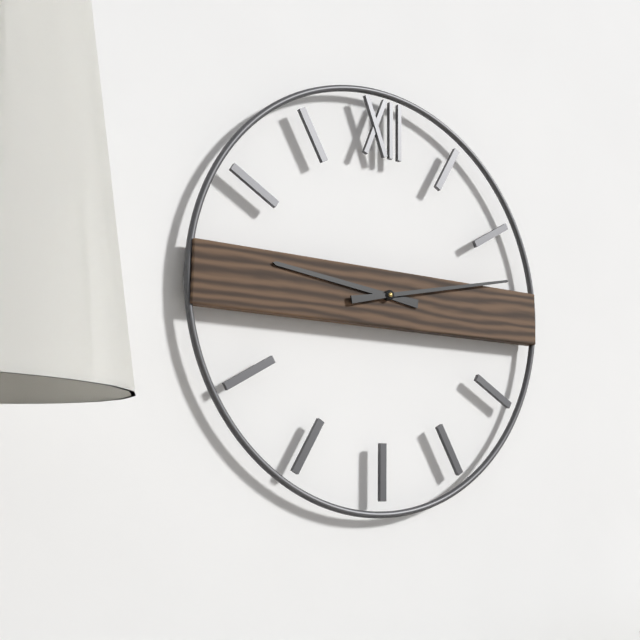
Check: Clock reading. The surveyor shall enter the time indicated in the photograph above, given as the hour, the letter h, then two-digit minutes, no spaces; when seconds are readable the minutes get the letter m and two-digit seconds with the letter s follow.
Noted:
9h13
